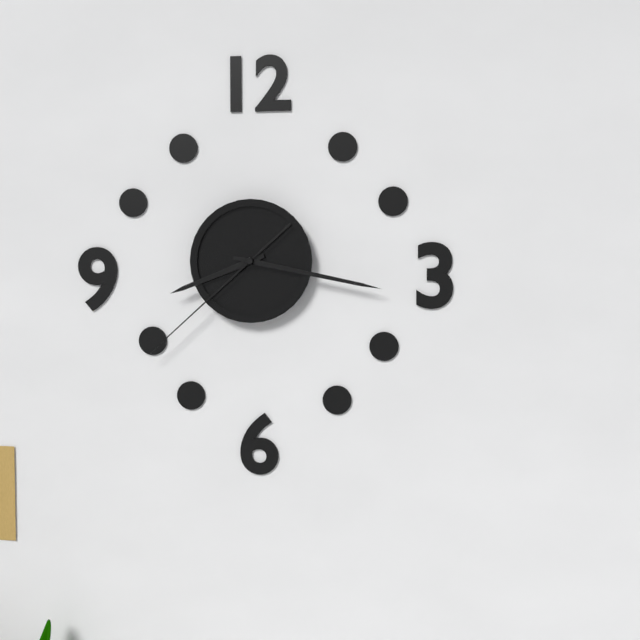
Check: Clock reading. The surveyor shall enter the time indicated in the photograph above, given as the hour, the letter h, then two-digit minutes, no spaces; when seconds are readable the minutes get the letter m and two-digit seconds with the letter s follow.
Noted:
8h17m38s
